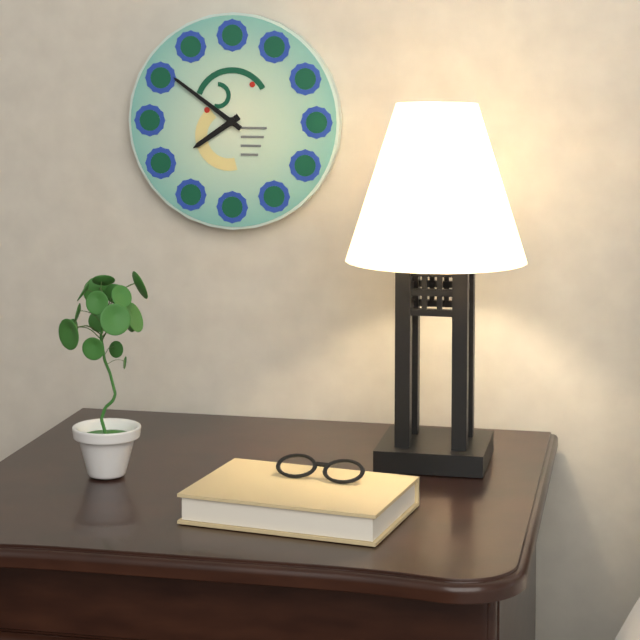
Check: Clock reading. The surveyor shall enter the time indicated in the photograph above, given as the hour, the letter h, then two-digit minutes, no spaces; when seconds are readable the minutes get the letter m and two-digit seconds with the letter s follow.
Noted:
7h51
